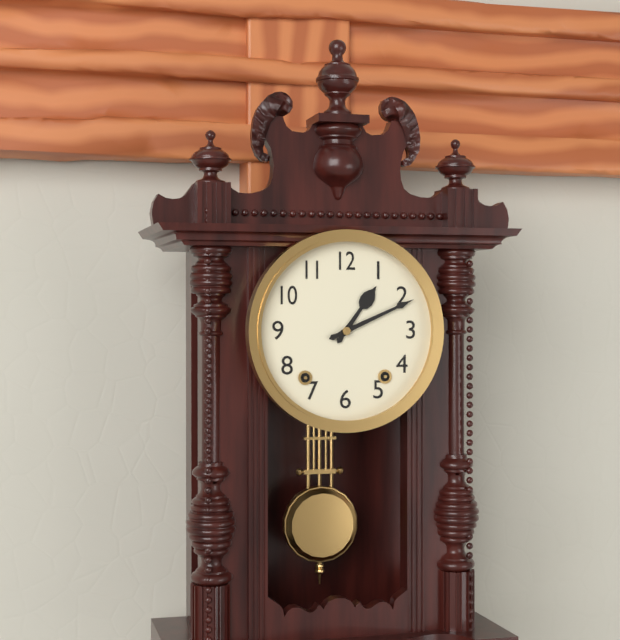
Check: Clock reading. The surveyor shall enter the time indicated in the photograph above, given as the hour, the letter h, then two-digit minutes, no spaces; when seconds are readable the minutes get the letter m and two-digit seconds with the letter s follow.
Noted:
1h11
